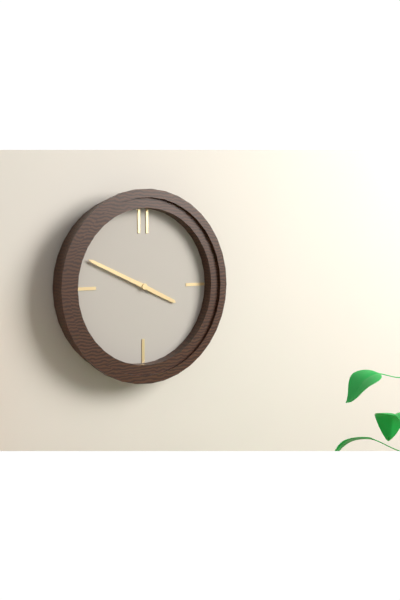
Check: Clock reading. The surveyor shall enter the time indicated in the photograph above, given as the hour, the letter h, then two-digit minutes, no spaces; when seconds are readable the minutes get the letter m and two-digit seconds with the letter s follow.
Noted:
3h49
